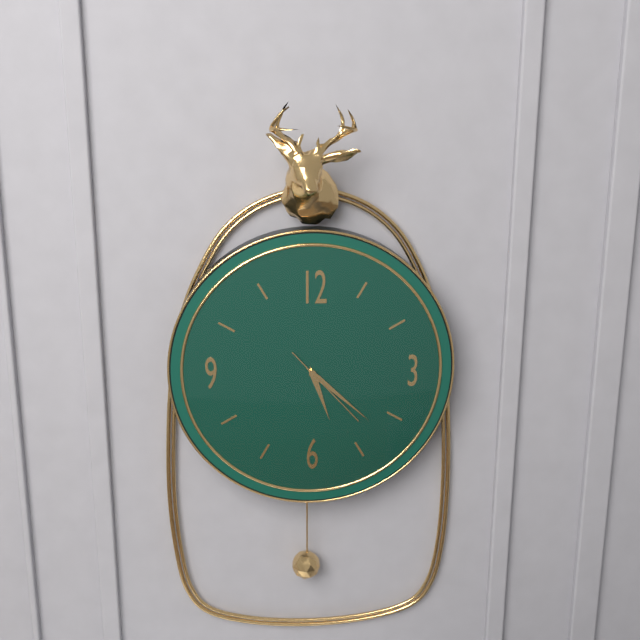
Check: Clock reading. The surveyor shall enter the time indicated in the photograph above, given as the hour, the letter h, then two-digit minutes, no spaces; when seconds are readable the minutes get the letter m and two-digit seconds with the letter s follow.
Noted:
5h22m23s
